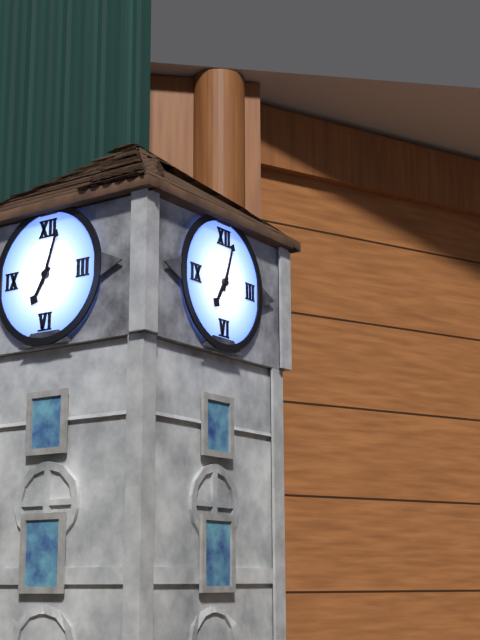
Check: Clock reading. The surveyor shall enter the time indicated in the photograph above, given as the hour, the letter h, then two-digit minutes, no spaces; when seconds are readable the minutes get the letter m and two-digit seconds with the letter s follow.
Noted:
7h03
